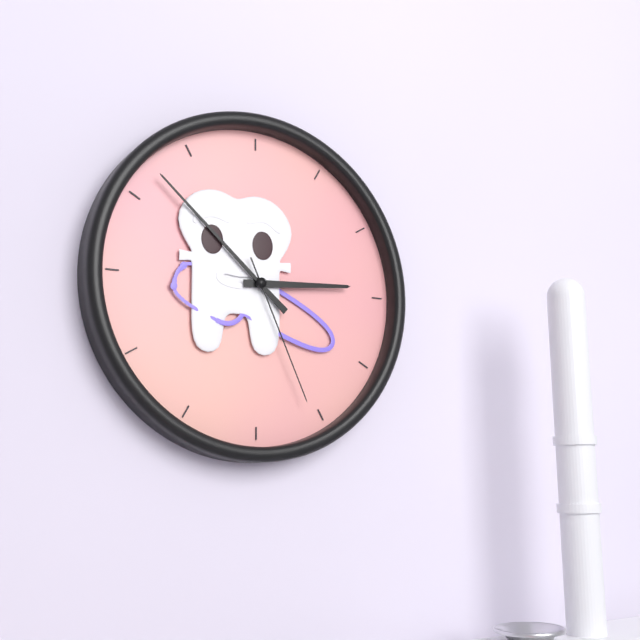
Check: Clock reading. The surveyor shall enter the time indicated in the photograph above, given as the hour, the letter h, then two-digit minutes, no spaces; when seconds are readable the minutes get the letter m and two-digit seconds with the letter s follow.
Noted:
2h52m26s
